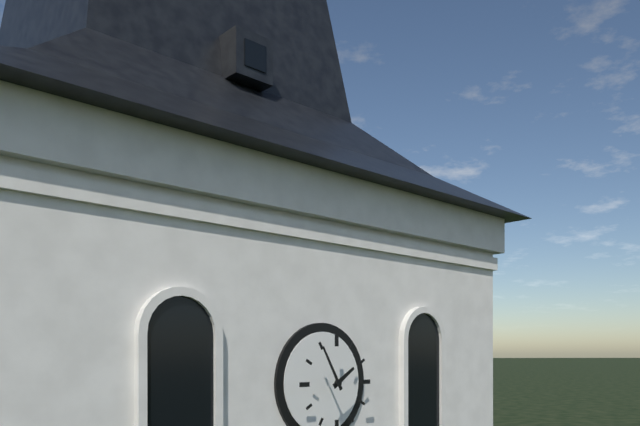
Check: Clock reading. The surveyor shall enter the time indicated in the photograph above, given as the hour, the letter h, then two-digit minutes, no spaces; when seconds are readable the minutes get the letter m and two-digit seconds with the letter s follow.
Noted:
1h55
